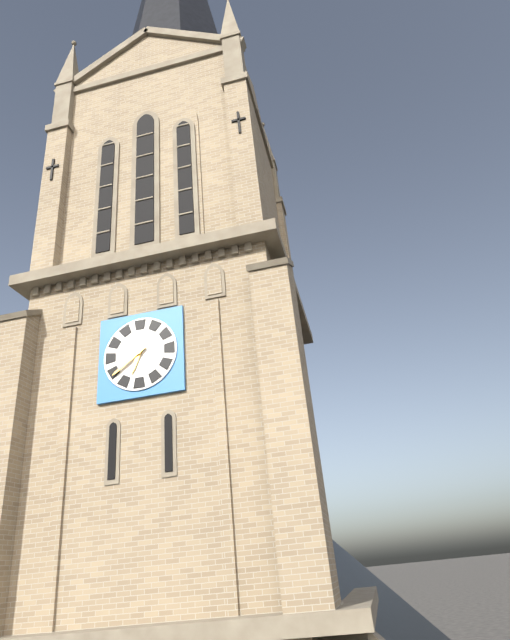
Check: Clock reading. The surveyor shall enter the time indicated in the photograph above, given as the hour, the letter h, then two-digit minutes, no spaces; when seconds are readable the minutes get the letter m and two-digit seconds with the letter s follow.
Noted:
6h39
